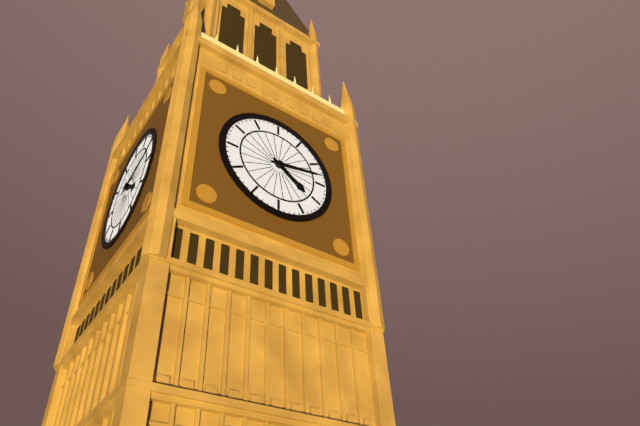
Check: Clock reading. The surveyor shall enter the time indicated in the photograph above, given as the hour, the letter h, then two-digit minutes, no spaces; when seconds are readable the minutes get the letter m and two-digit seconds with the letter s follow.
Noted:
4h13
